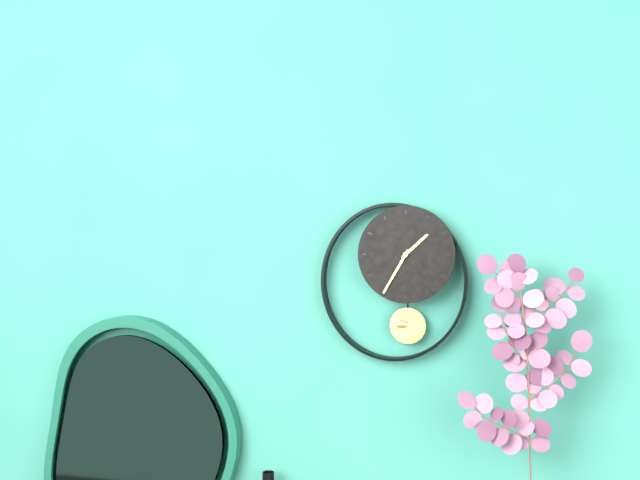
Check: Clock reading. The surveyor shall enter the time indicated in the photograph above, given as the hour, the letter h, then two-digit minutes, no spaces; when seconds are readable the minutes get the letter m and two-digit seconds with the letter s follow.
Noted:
1h35
